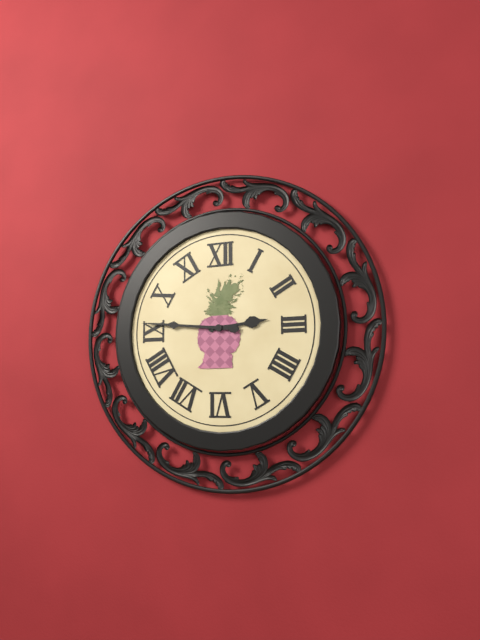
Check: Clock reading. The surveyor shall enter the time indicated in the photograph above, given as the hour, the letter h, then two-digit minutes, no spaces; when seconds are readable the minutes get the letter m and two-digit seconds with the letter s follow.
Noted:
2h46
